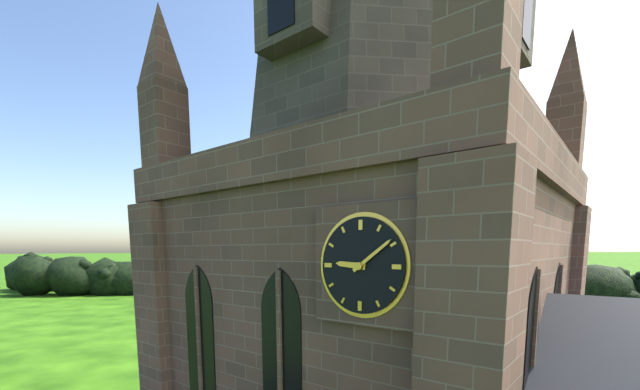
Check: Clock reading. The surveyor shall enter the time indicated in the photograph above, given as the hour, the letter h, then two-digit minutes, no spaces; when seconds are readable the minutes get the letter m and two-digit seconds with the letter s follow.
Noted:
9h09
